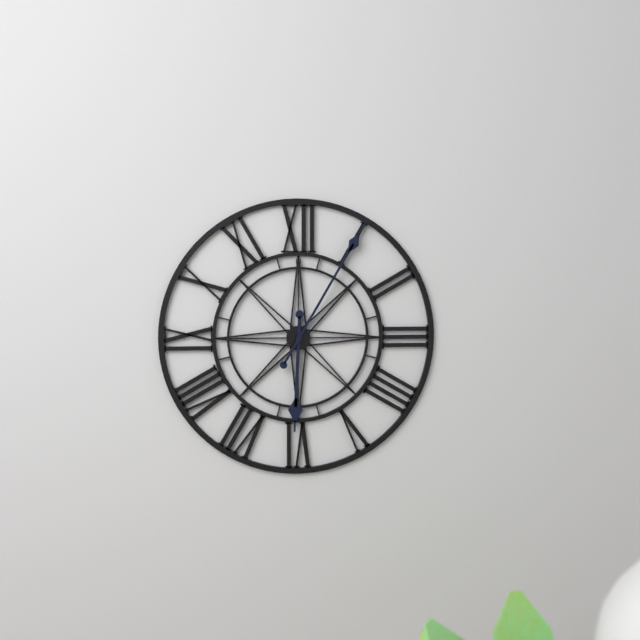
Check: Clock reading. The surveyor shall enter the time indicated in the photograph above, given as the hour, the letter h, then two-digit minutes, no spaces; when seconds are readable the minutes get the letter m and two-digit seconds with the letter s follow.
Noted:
6h05
